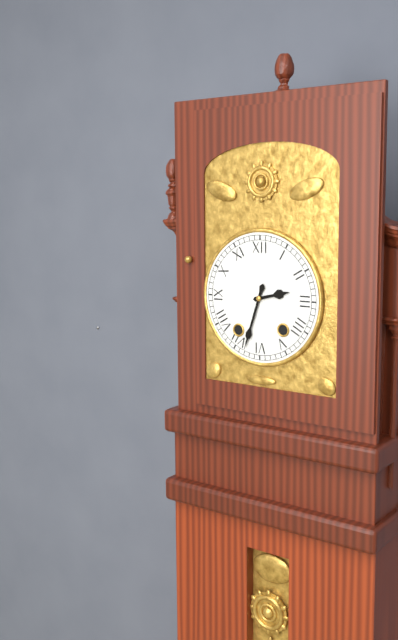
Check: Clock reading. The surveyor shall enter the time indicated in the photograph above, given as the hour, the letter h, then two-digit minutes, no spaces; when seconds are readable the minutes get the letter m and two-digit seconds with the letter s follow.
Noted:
2h33
